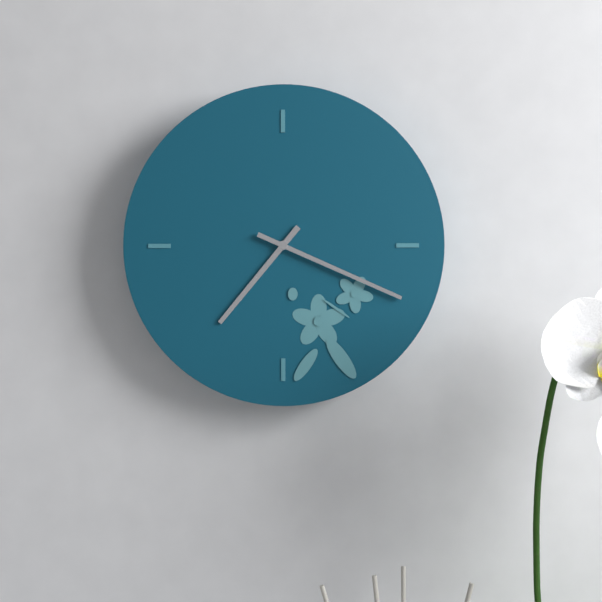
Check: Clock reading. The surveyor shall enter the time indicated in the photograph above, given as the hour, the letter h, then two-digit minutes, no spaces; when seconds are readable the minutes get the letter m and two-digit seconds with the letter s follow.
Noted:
7h19
